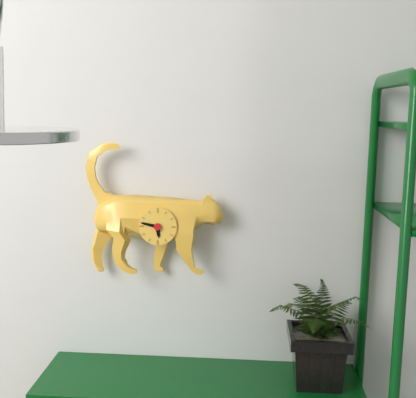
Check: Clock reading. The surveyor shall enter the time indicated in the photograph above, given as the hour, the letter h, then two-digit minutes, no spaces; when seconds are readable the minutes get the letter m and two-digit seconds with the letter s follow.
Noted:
5h47
